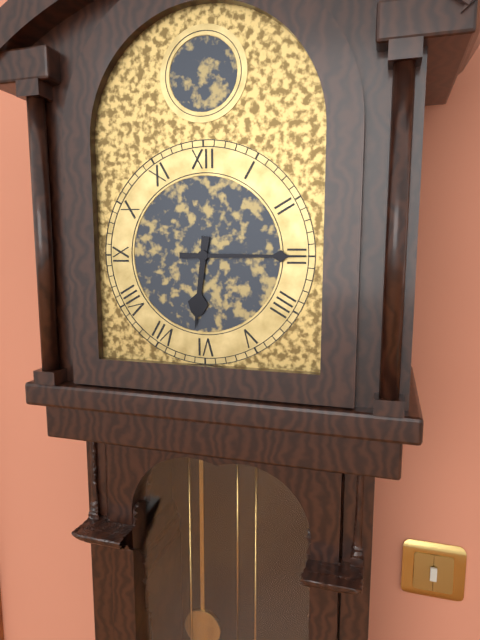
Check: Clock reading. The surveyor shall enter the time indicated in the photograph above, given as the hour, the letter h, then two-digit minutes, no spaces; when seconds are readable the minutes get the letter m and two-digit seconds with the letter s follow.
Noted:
6h15
